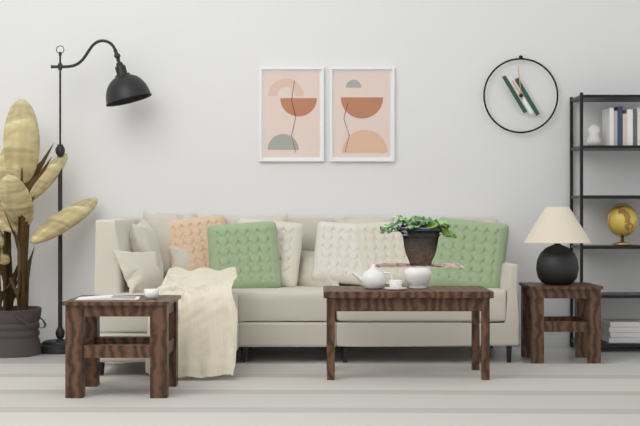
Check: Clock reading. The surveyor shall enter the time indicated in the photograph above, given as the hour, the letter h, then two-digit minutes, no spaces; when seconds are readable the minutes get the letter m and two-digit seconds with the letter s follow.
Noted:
10h59
